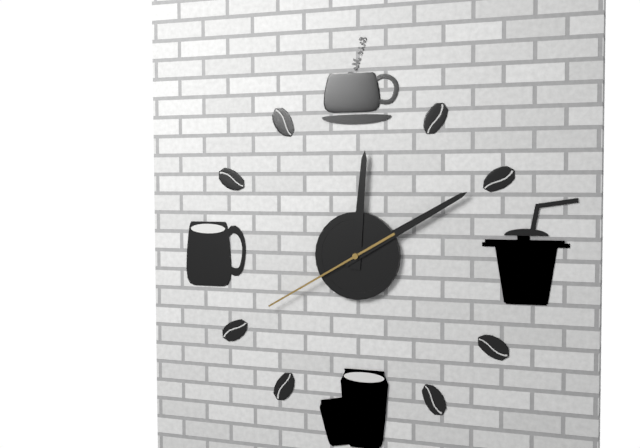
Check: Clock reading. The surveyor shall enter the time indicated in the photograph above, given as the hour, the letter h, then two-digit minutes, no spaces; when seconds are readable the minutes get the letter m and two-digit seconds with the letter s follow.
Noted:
12h10m40s
